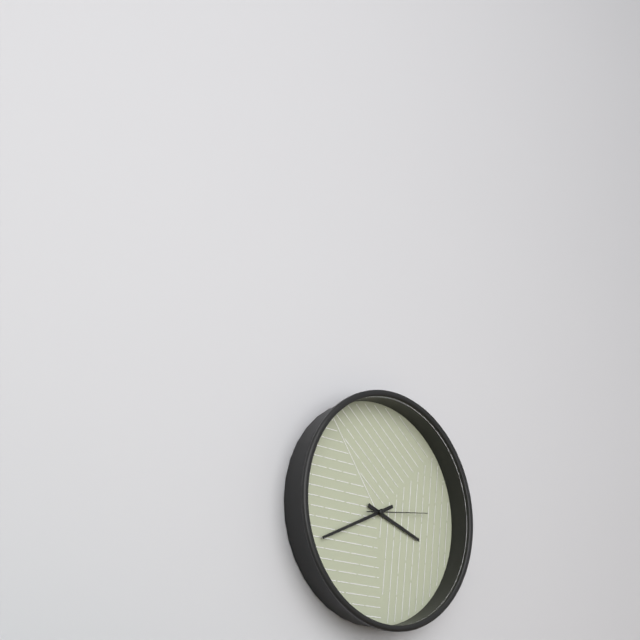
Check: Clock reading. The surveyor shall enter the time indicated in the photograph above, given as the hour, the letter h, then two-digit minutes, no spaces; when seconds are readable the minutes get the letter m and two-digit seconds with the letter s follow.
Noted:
3h41m14s
